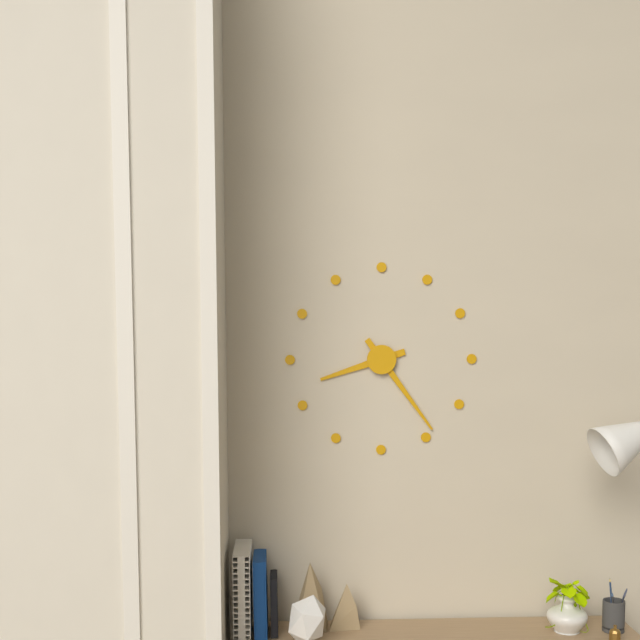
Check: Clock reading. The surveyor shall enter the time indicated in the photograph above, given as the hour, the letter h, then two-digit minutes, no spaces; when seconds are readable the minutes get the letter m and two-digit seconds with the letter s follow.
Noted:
8h24
